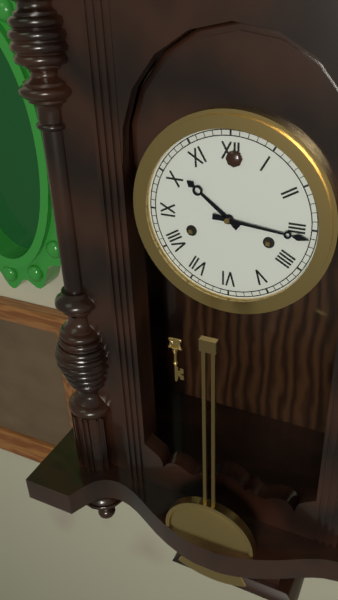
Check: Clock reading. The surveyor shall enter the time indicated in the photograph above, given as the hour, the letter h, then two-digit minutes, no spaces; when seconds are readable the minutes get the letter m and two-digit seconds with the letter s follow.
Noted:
10h16
